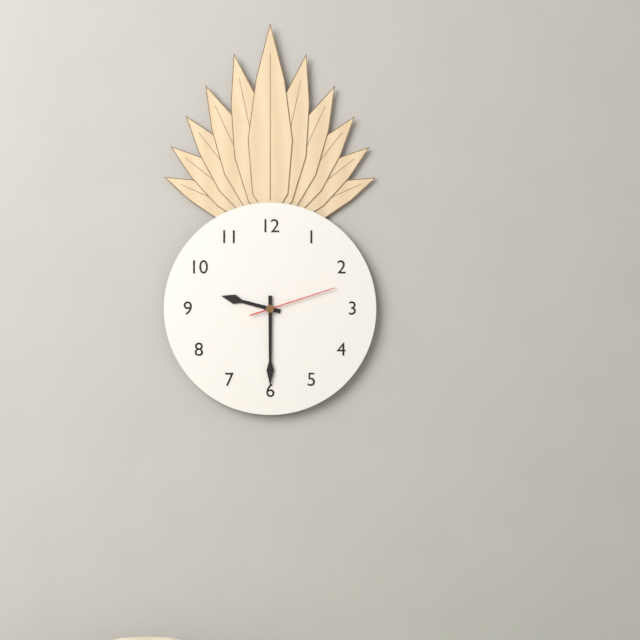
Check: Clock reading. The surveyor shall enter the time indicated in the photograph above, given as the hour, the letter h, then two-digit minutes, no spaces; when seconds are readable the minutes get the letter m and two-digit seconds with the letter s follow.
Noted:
9h30m12s
